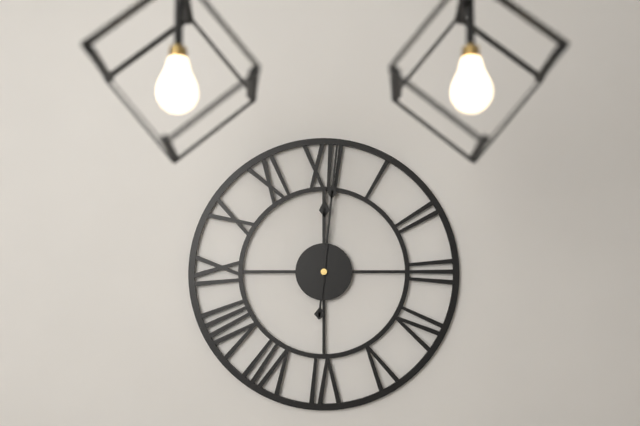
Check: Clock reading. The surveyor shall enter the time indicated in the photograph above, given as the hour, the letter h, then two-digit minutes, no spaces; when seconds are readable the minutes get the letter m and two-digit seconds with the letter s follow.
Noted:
12h01
